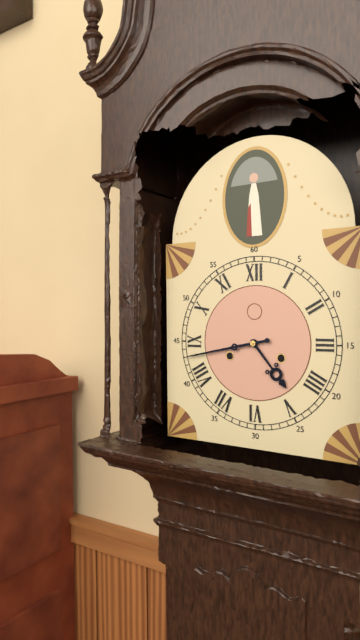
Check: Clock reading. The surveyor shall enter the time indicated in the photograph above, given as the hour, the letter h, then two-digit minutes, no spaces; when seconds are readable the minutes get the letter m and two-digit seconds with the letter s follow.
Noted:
4h43
